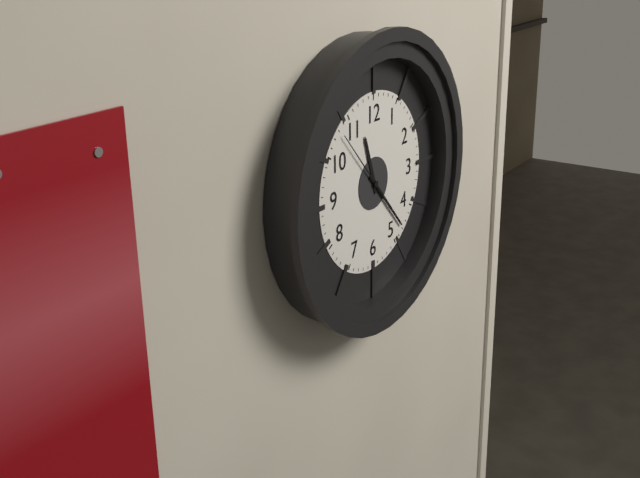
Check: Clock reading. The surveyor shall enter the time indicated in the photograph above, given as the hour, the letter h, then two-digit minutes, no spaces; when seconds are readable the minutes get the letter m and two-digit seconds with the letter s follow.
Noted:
11h23m53s
